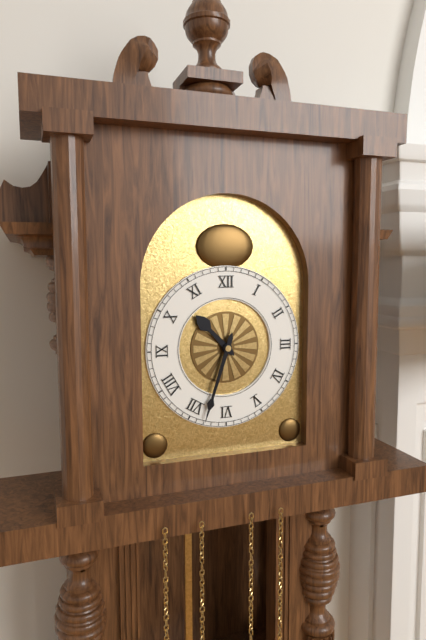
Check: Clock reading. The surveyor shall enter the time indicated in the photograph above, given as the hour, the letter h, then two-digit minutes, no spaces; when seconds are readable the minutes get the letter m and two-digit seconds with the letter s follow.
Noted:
10h33
